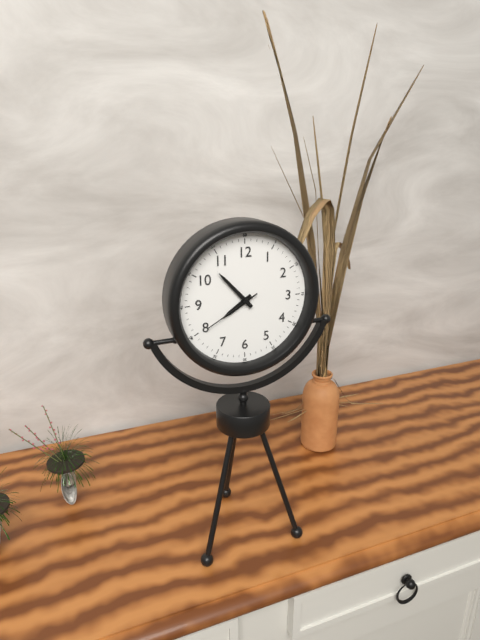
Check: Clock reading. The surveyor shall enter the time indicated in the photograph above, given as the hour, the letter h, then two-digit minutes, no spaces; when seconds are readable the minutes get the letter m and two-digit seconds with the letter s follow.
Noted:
7h53m40s
